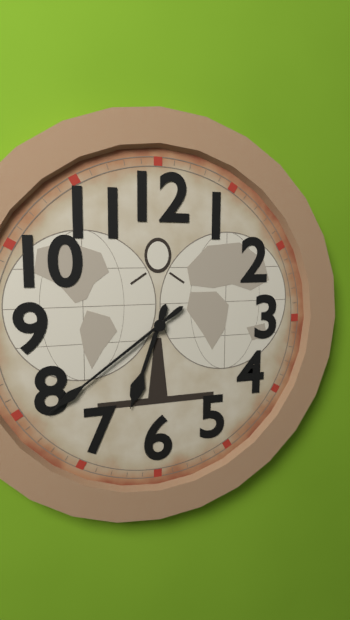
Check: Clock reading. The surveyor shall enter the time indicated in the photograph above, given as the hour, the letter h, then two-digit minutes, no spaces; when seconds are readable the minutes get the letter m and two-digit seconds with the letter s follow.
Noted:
6h39
